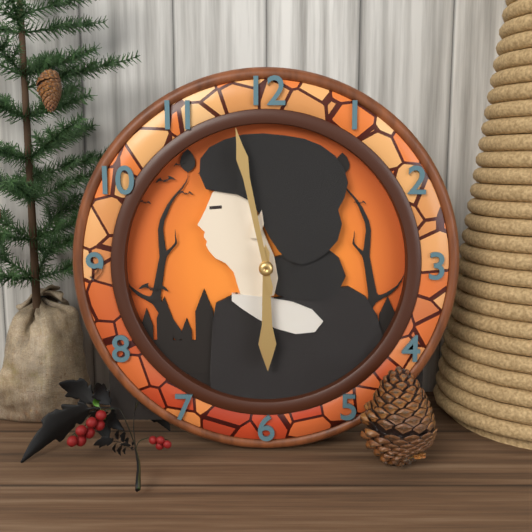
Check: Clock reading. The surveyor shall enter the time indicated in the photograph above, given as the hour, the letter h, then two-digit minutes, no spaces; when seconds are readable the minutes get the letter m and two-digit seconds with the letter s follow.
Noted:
5h58
